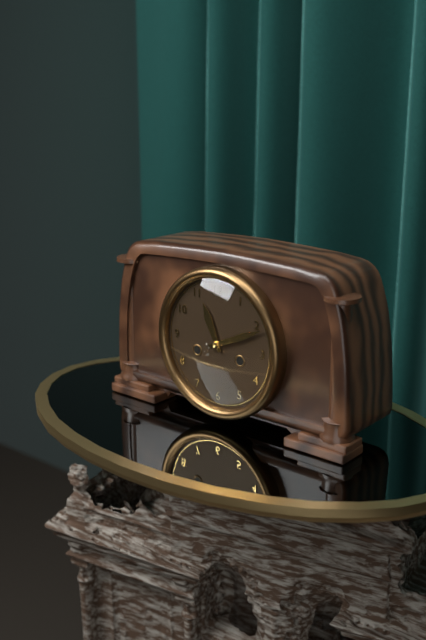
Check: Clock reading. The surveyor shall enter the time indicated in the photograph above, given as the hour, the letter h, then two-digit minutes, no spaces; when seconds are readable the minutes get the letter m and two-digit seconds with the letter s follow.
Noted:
11h11
